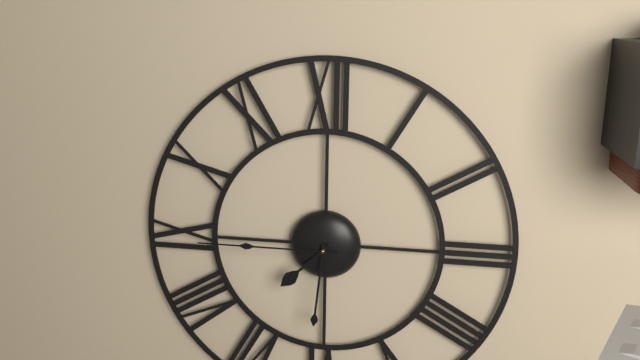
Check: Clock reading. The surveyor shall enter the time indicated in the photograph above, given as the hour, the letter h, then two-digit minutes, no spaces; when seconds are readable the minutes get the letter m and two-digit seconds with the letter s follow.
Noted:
7h31m45s
